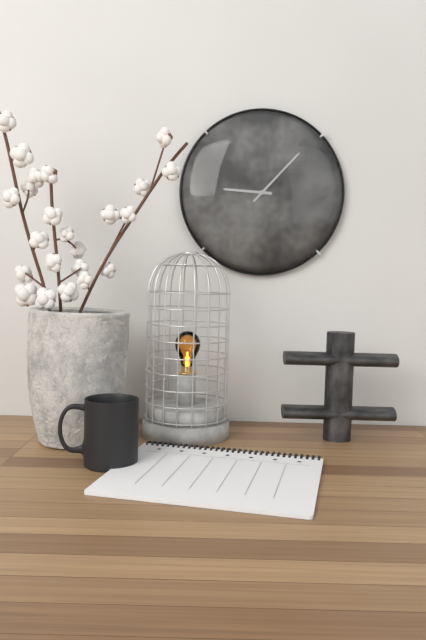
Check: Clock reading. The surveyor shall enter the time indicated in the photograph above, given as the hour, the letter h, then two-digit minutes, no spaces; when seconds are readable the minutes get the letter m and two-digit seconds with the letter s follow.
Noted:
9h07
